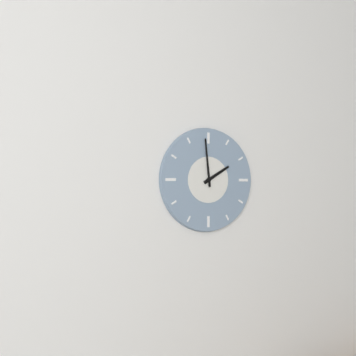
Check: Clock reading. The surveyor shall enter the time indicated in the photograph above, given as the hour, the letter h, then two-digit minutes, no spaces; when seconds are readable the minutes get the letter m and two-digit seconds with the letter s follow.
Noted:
1h59
